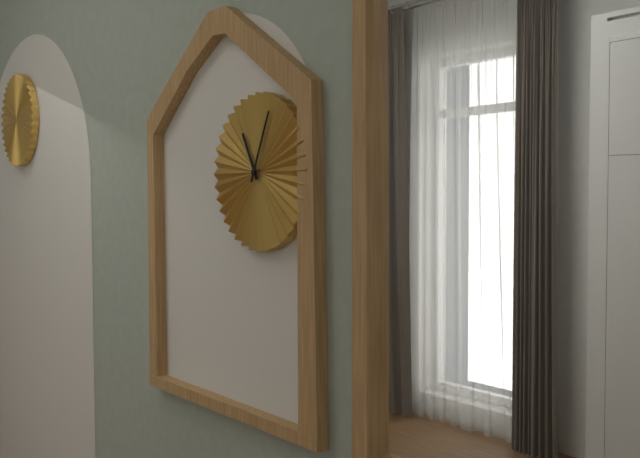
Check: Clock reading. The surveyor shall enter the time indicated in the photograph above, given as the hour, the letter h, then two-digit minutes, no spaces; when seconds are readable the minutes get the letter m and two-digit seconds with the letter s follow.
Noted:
11h04
